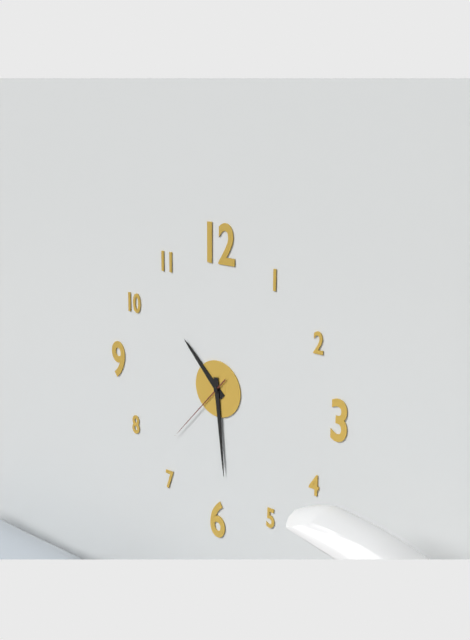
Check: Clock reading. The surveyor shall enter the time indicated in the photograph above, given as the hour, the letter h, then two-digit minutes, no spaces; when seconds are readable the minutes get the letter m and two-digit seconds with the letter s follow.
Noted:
10h29m37s
